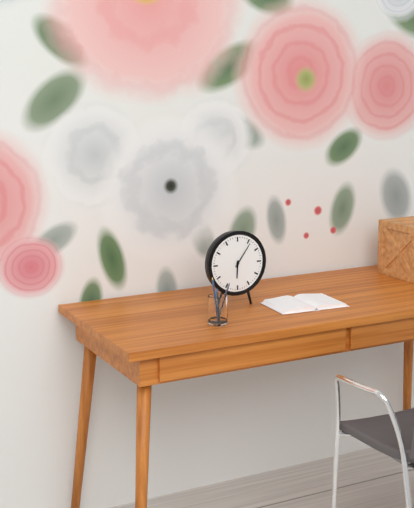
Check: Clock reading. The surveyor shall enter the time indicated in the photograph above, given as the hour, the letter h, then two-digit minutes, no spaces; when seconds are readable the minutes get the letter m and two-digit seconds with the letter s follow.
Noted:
6h06
